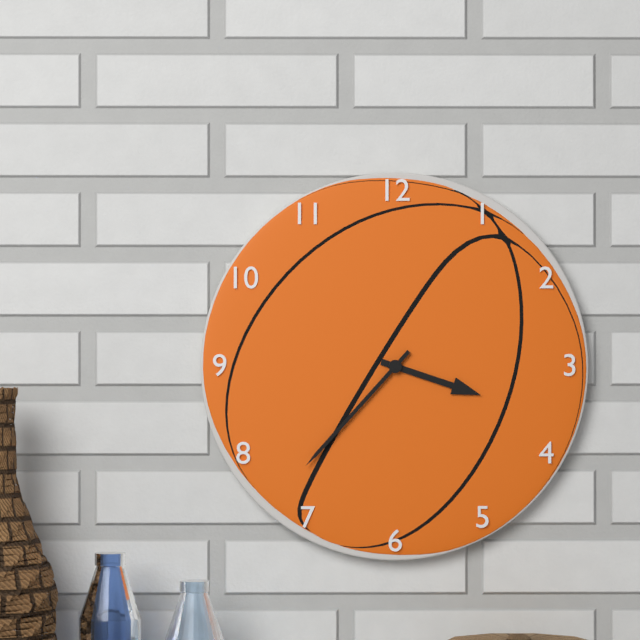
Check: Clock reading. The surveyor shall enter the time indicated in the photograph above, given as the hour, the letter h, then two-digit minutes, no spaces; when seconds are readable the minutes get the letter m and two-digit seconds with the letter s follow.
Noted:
3h37
